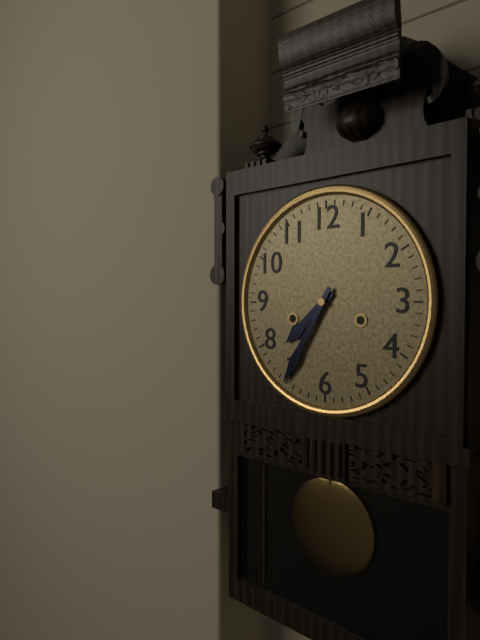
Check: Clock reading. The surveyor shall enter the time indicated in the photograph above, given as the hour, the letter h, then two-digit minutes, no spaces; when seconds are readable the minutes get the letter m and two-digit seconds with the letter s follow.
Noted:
7h35
